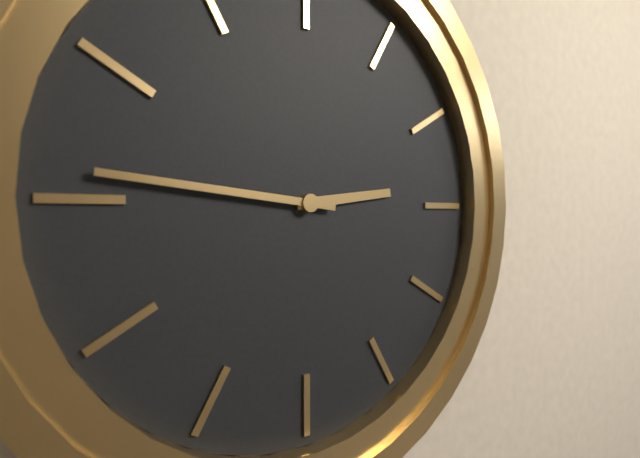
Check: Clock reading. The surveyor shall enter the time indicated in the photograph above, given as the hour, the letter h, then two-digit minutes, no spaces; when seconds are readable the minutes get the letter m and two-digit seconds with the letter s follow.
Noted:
2h46
